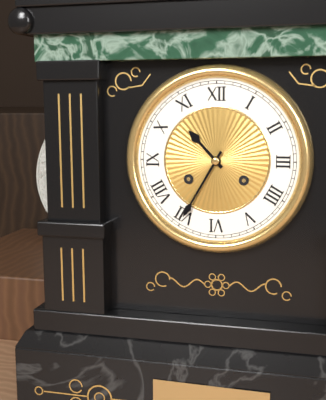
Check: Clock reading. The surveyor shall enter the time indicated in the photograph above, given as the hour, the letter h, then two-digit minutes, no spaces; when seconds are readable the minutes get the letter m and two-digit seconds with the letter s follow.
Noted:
10h35
